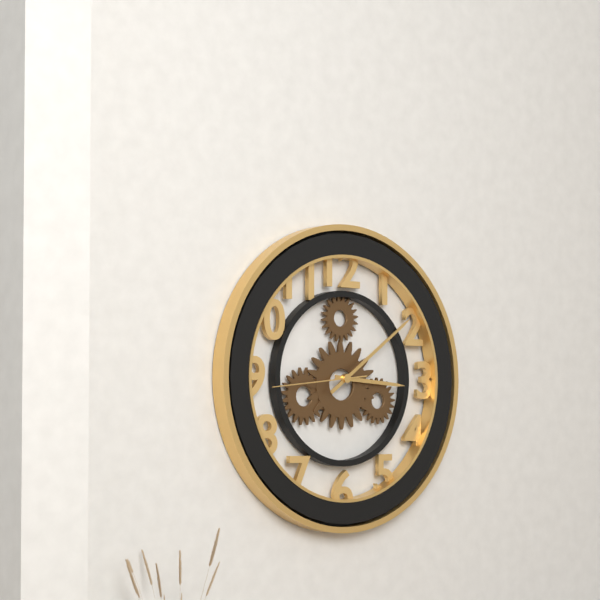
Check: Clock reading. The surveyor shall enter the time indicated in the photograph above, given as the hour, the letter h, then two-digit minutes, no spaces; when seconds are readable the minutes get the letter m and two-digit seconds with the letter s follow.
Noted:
3h09m44s
